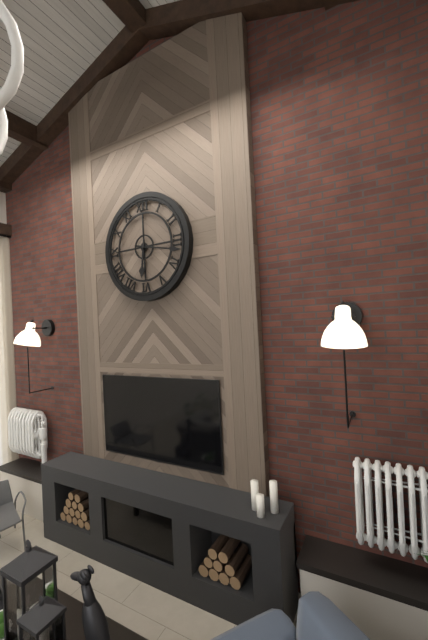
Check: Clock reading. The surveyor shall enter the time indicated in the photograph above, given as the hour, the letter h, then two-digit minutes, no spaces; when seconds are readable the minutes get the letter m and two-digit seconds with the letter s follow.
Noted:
6h17
